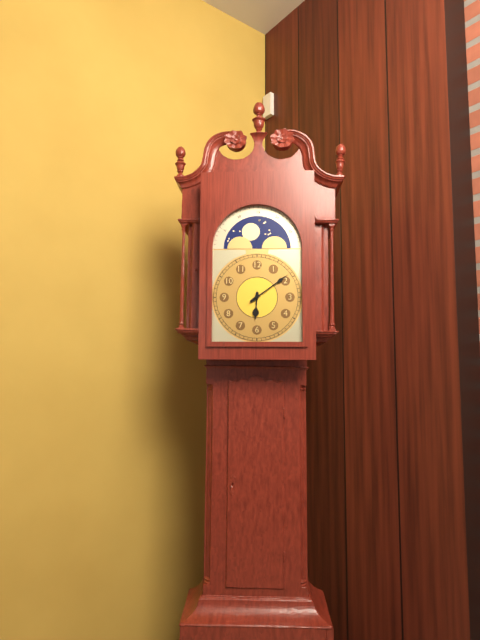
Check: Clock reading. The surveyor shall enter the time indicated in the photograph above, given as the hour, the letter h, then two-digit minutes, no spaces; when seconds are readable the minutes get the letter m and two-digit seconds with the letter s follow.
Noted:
6h09
